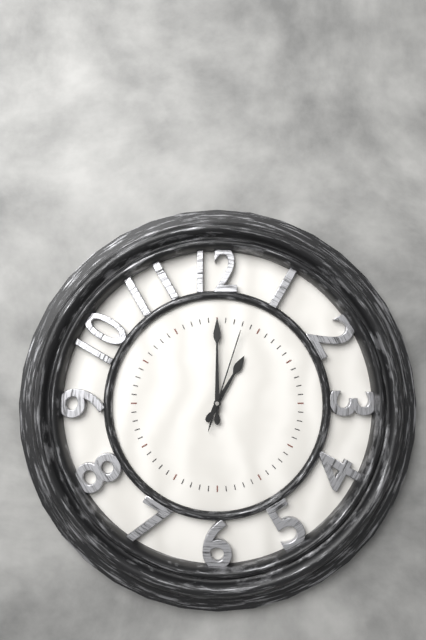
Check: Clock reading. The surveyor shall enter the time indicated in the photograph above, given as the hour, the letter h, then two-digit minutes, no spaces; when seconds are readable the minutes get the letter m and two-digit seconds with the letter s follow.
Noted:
1h00m03s
